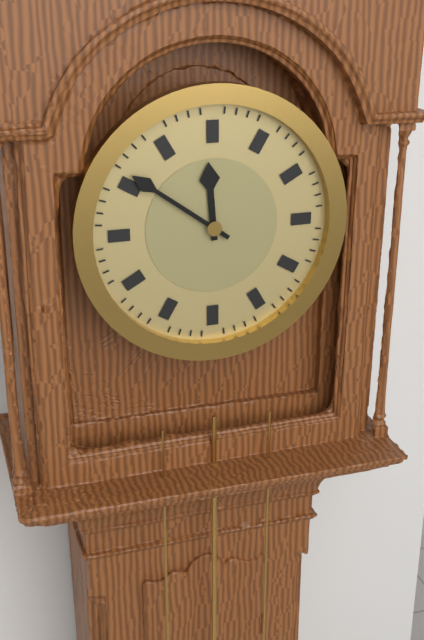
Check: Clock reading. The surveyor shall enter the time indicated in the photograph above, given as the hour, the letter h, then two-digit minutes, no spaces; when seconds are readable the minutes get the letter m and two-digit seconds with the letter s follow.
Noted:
11h51
